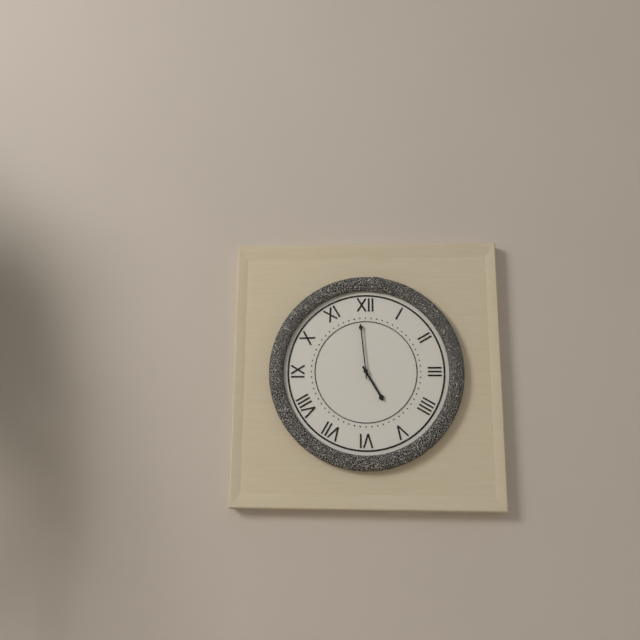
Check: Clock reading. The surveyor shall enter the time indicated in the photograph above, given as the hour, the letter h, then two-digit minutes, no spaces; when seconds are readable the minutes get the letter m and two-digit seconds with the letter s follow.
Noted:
4h59
